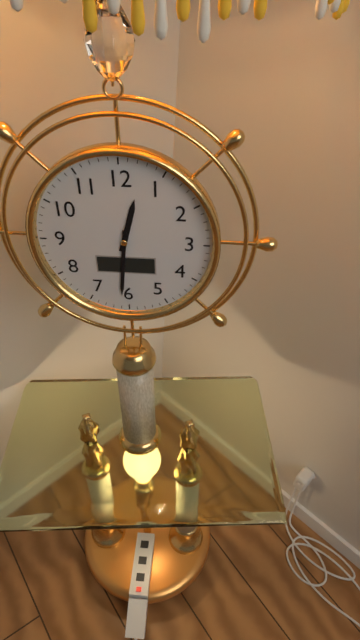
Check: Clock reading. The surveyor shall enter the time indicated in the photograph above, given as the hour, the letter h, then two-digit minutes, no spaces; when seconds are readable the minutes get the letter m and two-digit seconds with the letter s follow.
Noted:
12h31
